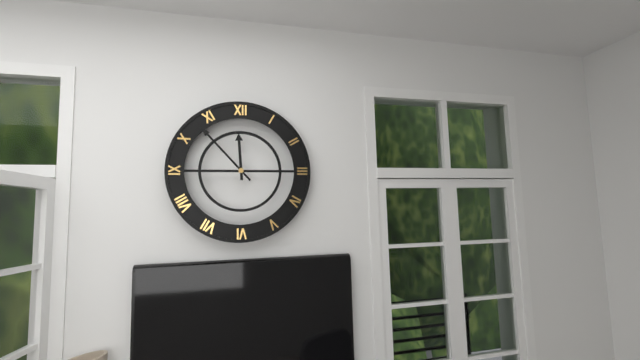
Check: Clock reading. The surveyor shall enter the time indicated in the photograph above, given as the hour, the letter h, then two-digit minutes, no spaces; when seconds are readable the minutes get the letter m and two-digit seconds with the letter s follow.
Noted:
11h53
